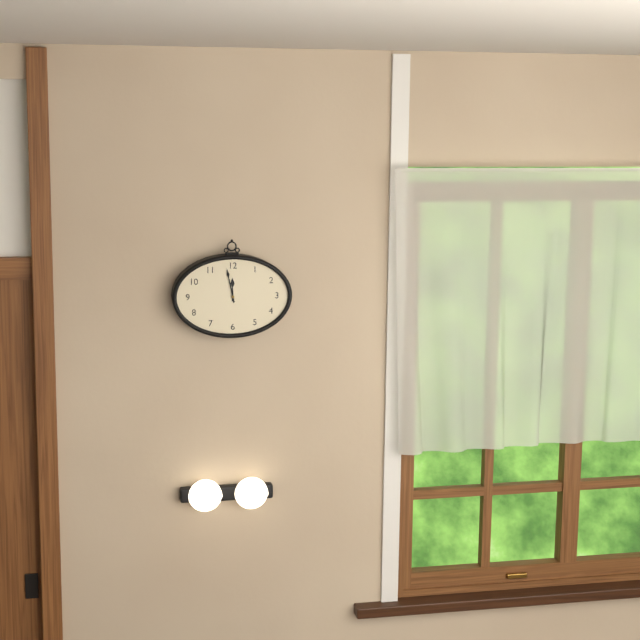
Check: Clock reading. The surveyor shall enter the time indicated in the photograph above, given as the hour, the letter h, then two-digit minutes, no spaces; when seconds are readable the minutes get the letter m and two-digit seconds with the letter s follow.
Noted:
11h58
